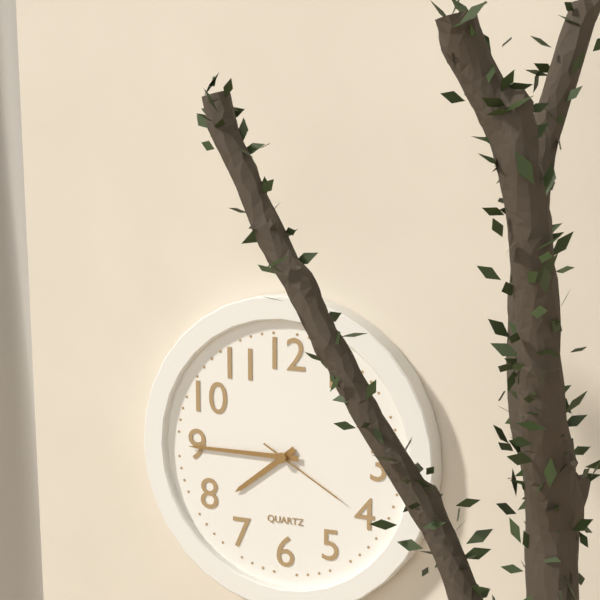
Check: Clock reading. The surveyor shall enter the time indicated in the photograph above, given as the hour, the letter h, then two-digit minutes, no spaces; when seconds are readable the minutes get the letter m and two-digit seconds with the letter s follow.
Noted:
7h45m20s
